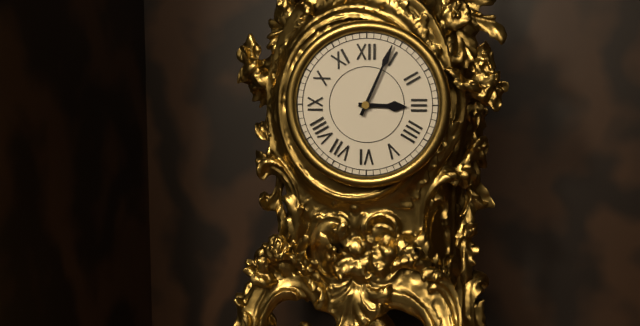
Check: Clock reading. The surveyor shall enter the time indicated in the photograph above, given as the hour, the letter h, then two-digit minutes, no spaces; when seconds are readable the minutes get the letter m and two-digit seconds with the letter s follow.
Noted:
3h04
